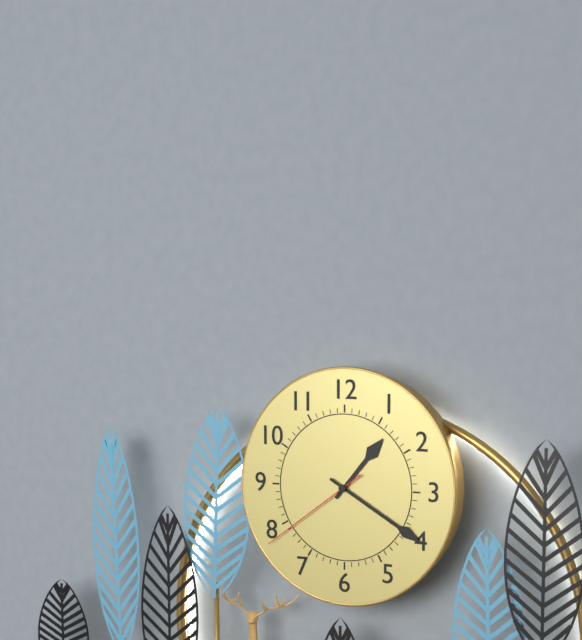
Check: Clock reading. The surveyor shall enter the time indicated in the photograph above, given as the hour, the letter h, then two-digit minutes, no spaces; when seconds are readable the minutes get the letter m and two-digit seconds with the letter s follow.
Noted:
1h20m39s
